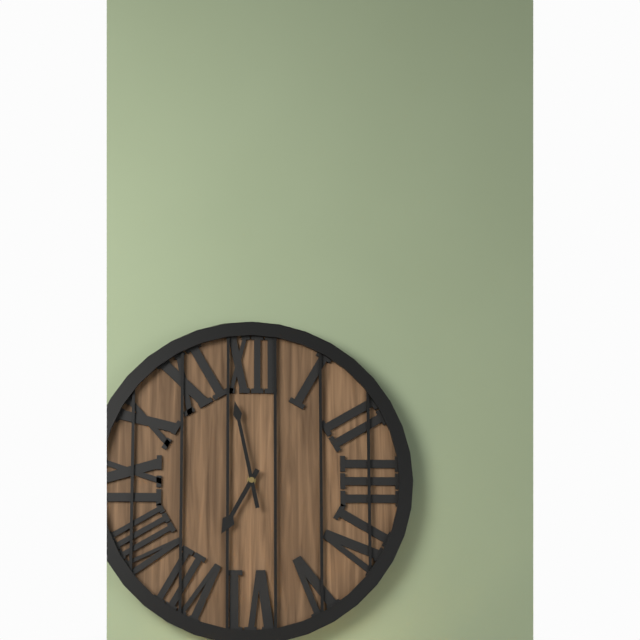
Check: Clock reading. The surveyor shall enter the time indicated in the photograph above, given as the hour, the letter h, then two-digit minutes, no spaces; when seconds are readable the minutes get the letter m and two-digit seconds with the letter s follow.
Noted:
6h58
